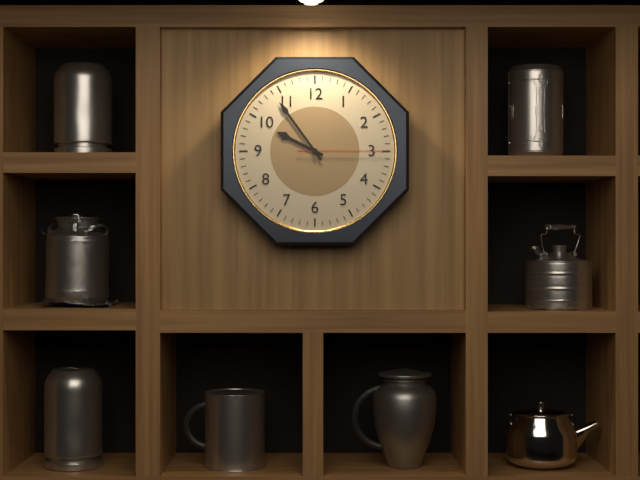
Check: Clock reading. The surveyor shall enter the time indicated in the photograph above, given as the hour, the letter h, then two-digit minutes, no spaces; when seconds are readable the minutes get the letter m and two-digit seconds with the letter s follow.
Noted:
9h54m15s
